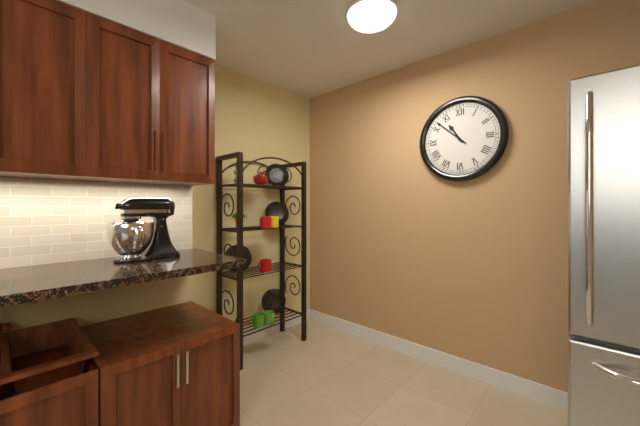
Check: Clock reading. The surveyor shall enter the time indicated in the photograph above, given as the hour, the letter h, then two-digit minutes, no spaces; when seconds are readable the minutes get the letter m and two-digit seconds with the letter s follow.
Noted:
10h52
